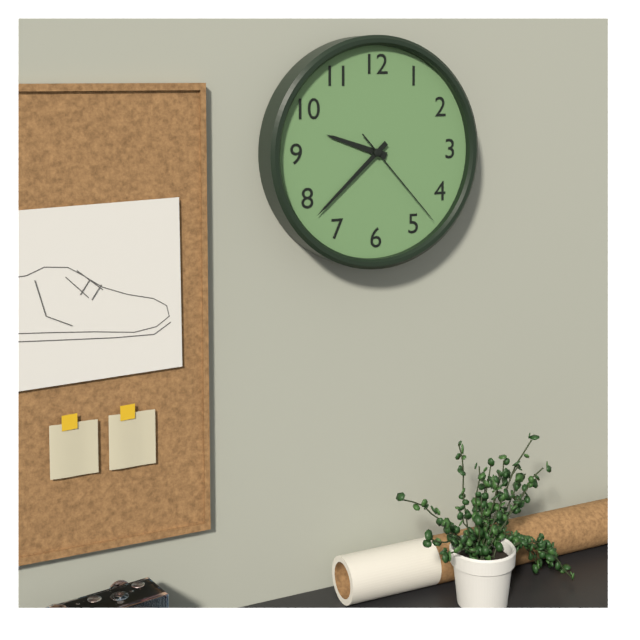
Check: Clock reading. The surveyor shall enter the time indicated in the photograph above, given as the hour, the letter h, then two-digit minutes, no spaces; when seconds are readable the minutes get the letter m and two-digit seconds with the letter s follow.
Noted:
9h38m23s
